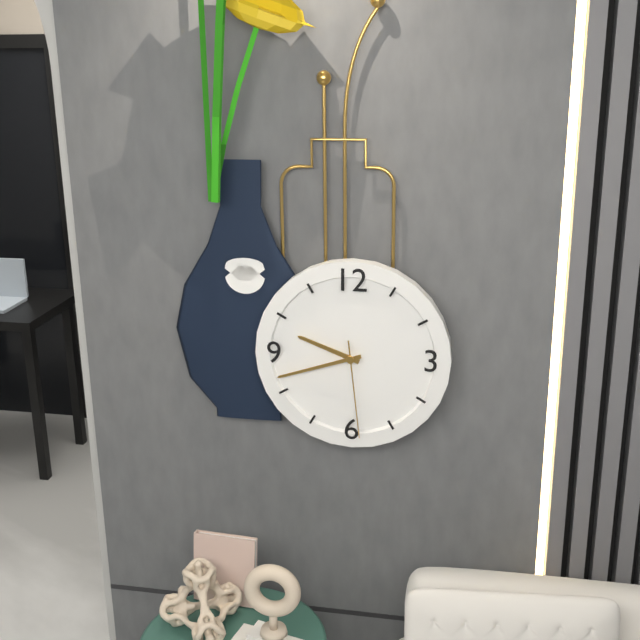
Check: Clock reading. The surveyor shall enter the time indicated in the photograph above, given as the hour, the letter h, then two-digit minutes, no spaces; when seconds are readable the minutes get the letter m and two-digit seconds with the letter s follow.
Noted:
9h42m29s
